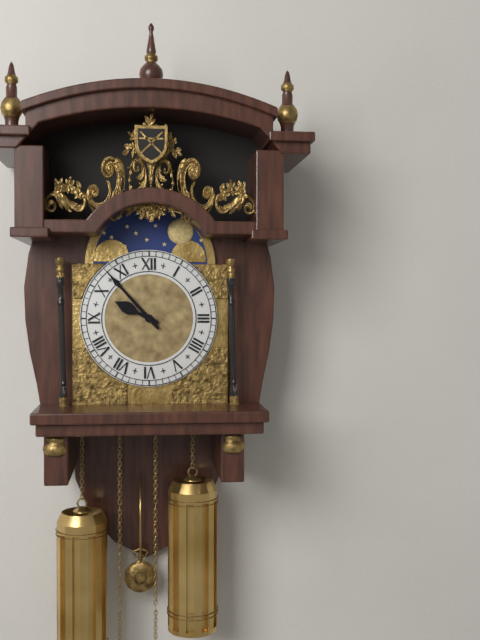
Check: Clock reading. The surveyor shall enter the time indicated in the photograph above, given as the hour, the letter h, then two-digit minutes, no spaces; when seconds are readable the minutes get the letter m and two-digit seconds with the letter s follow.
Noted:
9h53
